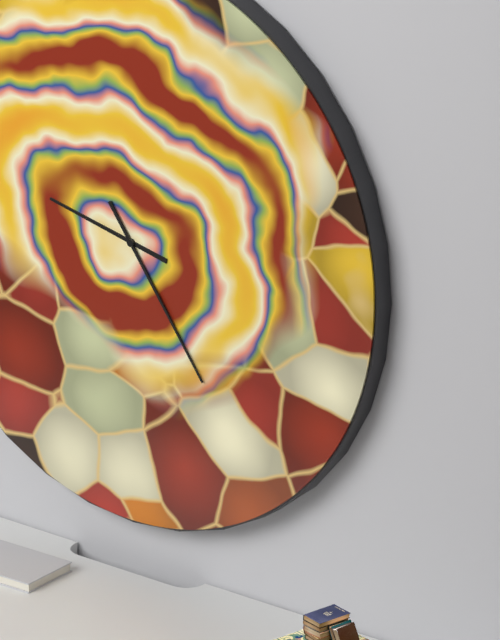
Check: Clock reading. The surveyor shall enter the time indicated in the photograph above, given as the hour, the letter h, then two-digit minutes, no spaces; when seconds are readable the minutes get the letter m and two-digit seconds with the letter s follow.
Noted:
9h24
